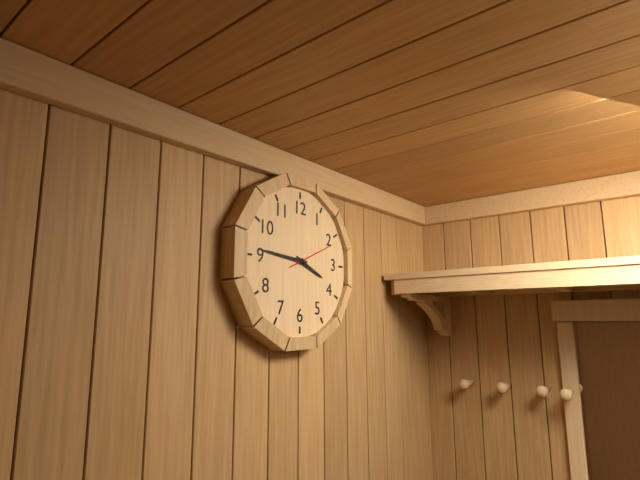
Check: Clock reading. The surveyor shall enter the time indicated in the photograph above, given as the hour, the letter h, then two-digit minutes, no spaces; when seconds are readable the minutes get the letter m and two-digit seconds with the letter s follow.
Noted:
3h46
